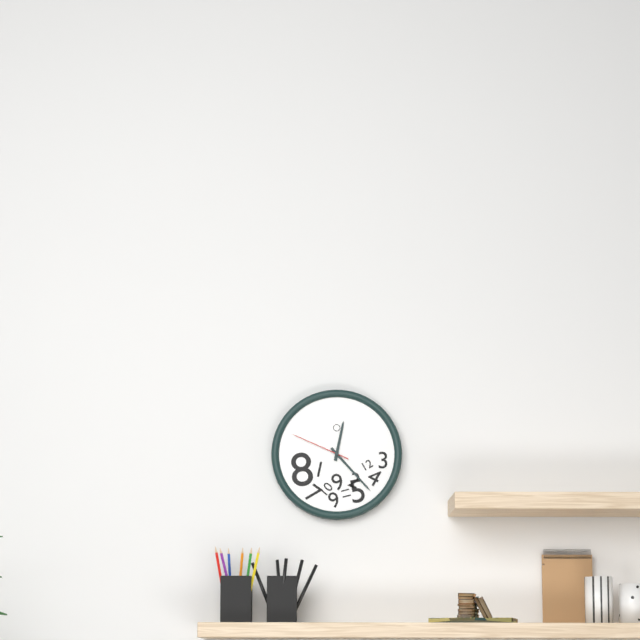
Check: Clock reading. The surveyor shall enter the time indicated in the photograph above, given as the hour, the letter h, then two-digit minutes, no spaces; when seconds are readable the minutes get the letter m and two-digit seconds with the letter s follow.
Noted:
12h23m49s
